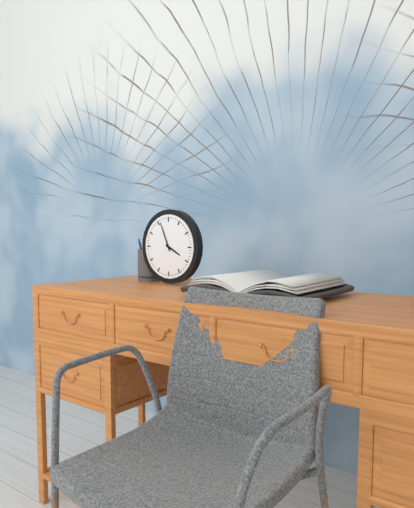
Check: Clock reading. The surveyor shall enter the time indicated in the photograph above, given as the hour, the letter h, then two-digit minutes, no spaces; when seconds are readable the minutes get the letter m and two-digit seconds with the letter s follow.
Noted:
3h56
